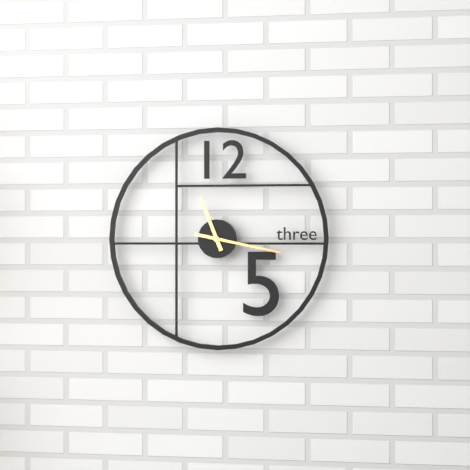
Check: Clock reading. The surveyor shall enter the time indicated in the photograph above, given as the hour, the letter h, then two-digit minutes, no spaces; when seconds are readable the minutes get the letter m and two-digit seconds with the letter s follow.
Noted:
11h17
